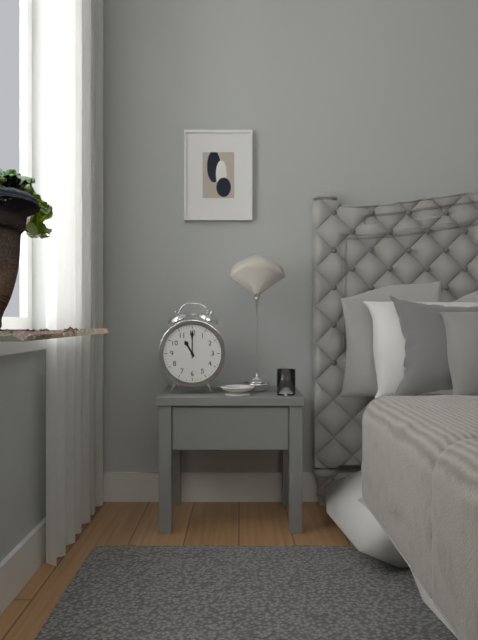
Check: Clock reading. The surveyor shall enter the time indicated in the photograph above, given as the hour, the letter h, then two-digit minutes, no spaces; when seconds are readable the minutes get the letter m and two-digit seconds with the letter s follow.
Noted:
11h00
